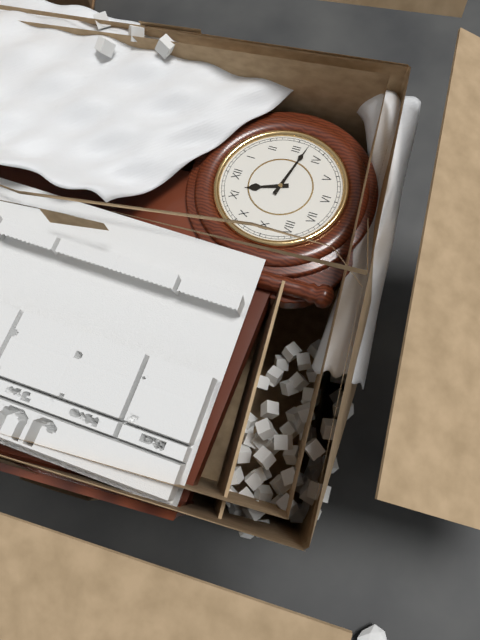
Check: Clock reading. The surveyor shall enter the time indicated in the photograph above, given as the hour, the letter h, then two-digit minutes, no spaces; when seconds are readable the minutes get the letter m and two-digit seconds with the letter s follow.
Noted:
11h17
